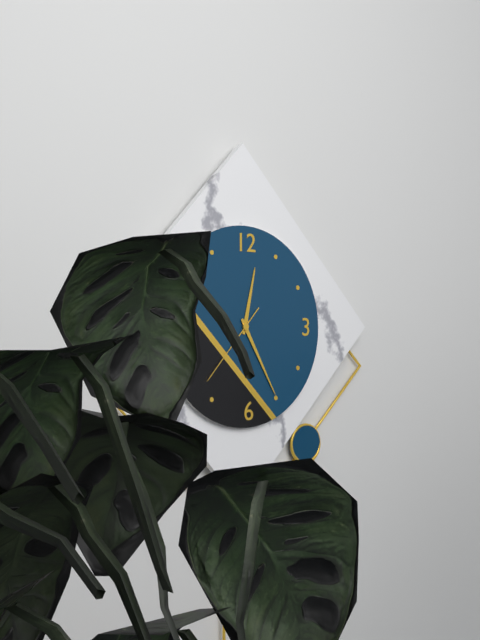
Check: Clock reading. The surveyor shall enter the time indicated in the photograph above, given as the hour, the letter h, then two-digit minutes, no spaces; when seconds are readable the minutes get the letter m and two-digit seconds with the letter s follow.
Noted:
12h25m37s
